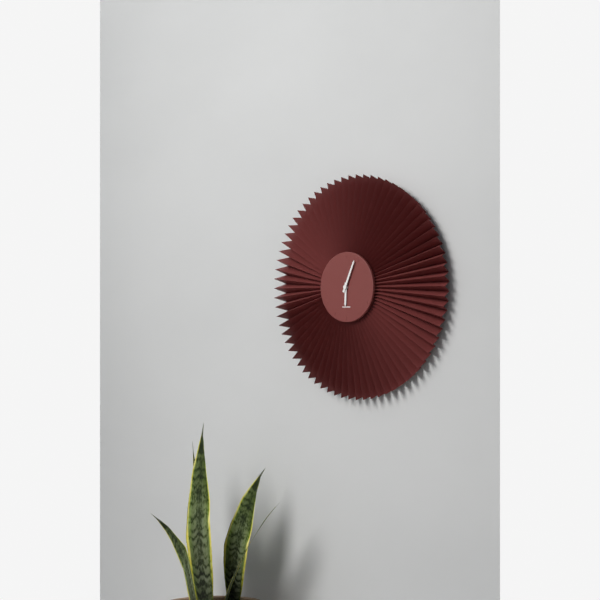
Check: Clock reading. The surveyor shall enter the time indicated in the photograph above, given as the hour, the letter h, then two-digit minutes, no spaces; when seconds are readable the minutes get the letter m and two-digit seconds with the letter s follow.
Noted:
6h04
